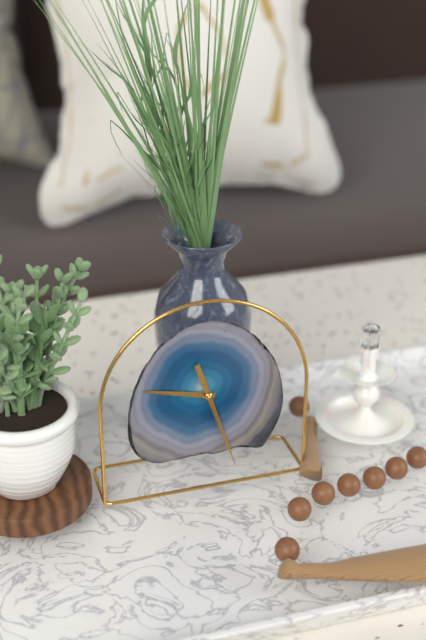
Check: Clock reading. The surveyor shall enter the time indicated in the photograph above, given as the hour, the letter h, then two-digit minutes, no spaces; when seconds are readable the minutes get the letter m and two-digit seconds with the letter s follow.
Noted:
9h27m27s
